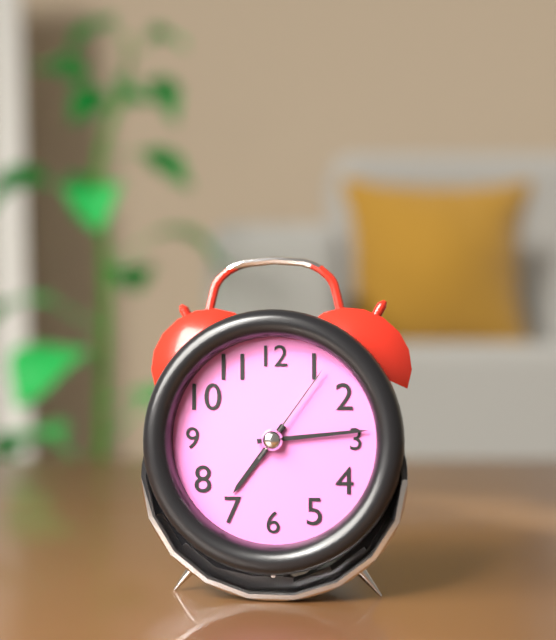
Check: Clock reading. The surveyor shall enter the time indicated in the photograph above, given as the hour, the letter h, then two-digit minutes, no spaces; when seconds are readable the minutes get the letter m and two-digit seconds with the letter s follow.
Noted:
7h14m06s
